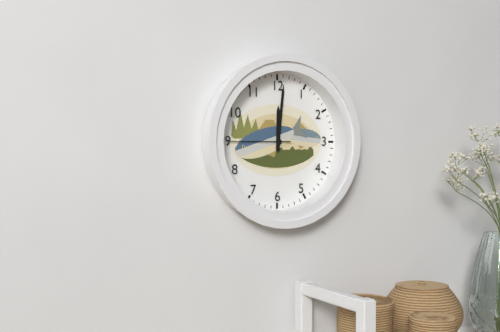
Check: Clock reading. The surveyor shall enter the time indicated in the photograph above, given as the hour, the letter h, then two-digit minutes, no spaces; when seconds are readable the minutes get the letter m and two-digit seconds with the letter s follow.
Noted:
12h01m45s
